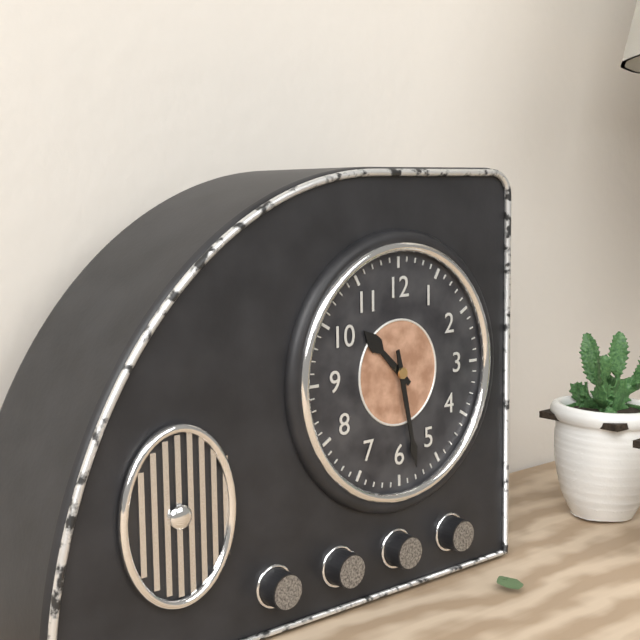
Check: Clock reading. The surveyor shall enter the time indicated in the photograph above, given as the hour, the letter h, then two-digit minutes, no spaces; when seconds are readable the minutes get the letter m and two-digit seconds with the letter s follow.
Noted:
10h28
